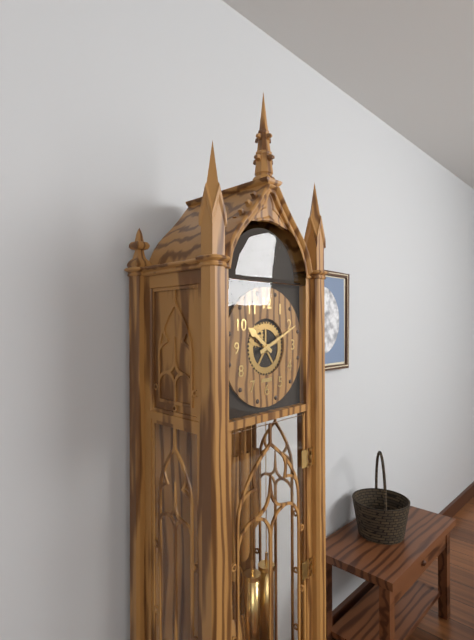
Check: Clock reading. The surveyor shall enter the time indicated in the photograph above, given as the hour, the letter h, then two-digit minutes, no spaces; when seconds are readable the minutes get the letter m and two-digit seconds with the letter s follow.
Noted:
10h11
